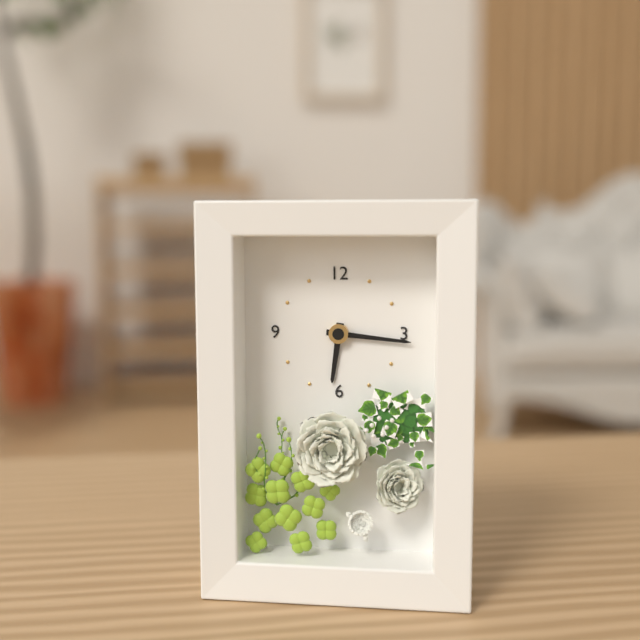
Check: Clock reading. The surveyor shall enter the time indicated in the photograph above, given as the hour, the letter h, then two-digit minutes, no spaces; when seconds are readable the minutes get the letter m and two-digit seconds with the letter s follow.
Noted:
6h16
